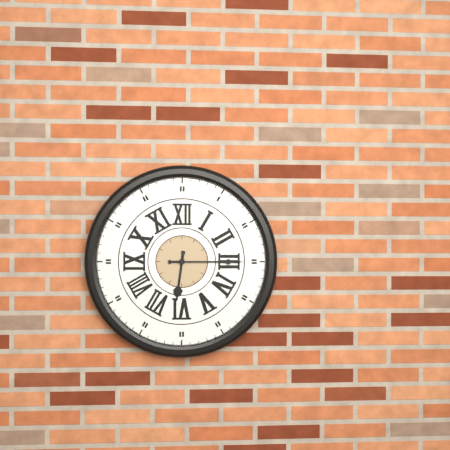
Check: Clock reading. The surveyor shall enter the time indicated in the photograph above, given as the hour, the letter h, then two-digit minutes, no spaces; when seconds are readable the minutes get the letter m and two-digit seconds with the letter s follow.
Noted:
6h15
